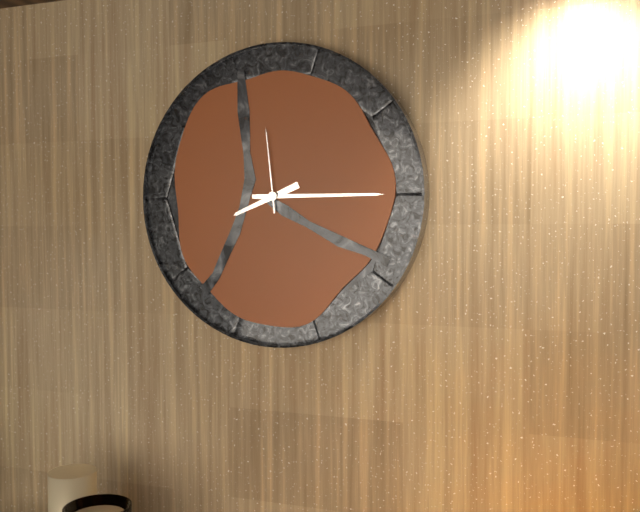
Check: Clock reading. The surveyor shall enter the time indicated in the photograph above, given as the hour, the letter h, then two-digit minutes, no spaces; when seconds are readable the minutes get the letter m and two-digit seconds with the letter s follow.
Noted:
8h15m59s
